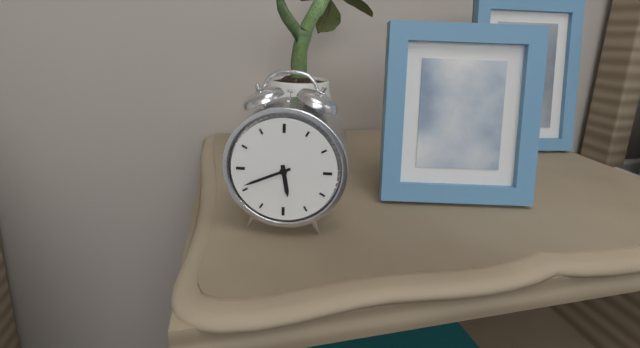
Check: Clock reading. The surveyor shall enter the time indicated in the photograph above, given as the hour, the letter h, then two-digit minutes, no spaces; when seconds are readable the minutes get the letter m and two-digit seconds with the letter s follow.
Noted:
5h41
